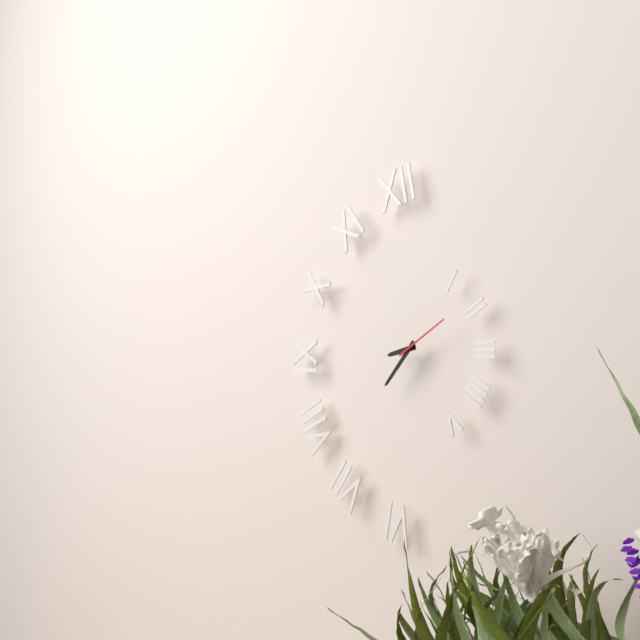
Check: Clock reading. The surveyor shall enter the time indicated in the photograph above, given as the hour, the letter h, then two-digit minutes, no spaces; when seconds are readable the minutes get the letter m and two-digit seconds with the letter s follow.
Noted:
8h37m10s
